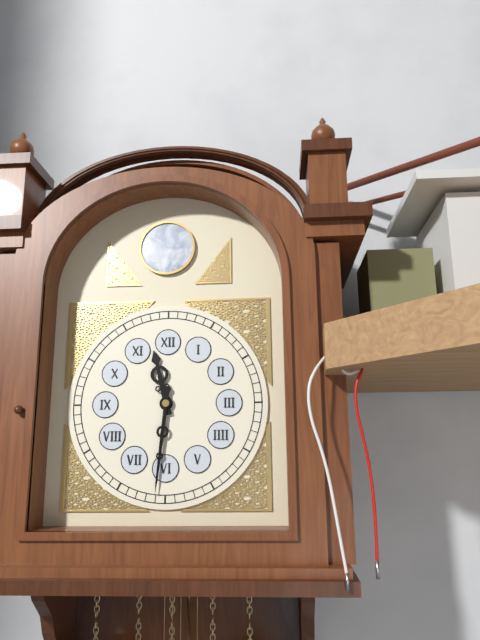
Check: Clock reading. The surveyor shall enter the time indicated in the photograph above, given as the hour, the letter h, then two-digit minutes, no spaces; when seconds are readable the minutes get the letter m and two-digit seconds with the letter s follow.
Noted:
11h31
